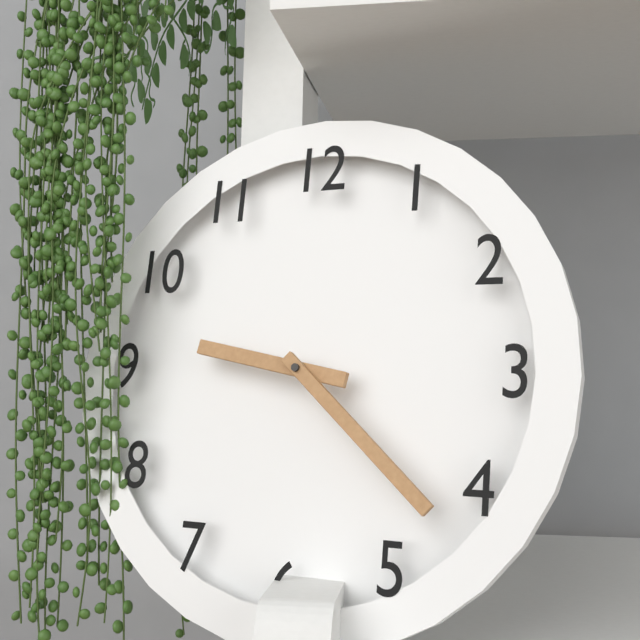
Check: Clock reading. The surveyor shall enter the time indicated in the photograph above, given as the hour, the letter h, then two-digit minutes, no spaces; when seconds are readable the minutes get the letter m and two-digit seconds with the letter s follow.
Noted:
9h22
